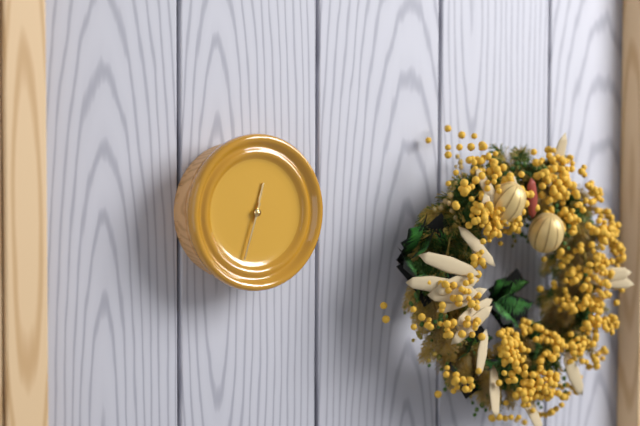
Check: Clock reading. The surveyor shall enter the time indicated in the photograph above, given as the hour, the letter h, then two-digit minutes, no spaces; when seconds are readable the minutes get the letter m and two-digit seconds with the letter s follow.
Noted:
12h33
